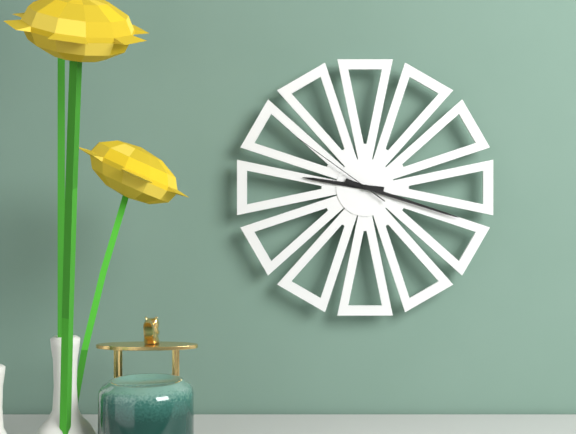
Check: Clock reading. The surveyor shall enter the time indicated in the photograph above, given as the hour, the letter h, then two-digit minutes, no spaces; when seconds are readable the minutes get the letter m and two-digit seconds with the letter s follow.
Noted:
9h18m51s
